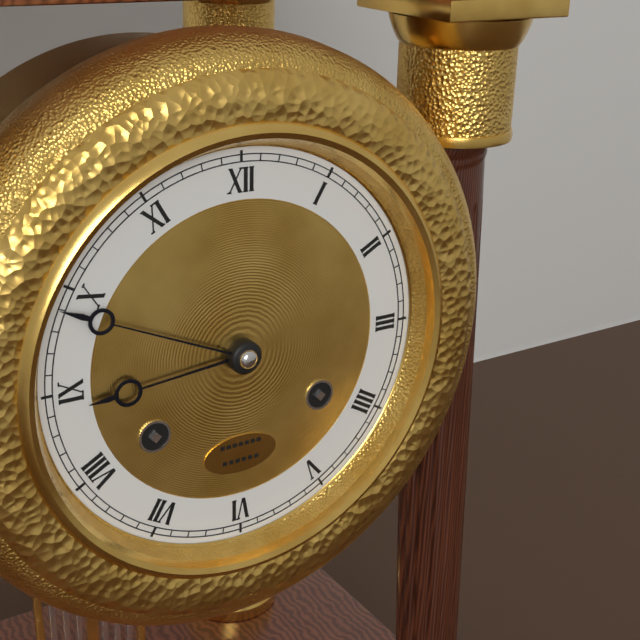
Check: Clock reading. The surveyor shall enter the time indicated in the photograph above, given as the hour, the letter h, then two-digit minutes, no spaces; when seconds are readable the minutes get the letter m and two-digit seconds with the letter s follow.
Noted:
8h49
